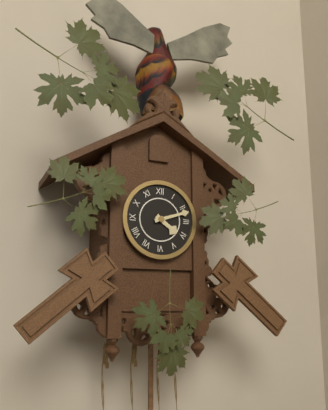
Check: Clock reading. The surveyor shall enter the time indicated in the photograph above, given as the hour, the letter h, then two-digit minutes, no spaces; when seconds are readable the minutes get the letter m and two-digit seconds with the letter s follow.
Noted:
4h12
